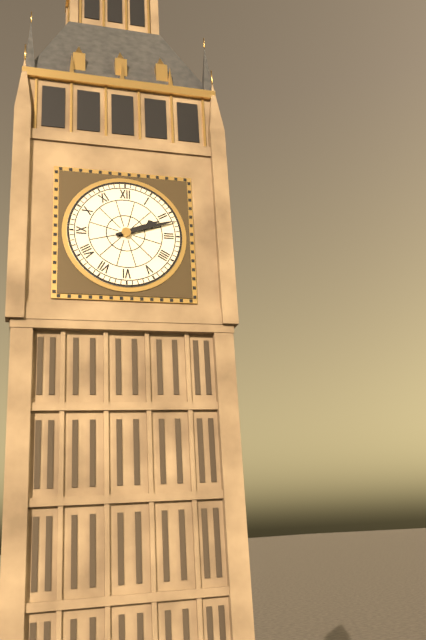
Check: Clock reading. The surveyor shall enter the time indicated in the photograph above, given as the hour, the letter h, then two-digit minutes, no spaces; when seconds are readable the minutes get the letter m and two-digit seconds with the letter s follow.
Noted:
2h12
